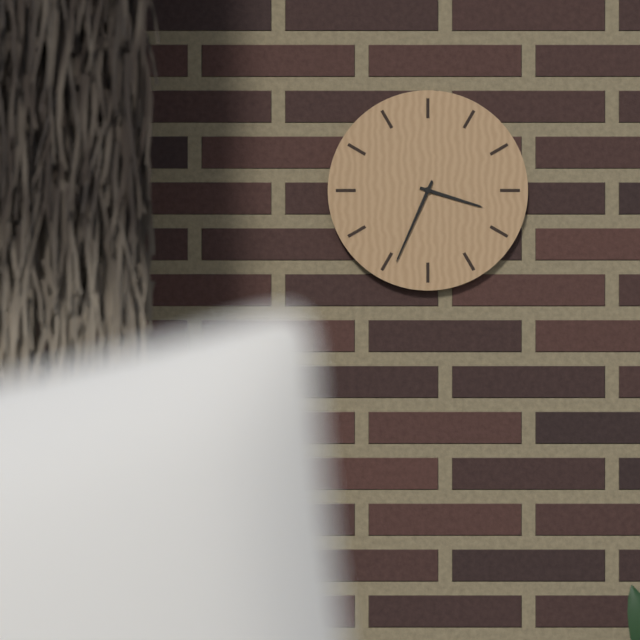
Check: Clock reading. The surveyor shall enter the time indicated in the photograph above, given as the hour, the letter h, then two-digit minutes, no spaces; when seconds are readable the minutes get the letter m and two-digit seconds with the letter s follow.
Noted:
3h34
